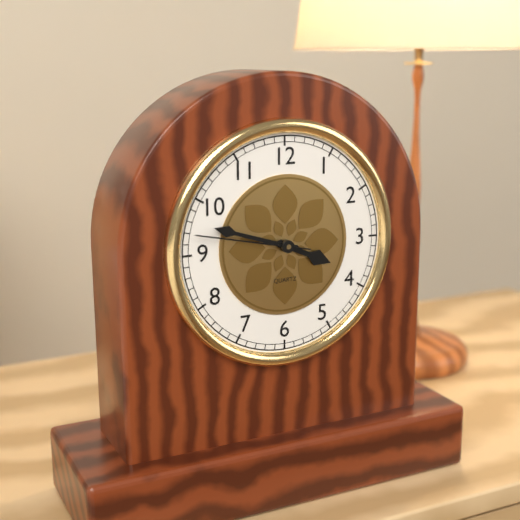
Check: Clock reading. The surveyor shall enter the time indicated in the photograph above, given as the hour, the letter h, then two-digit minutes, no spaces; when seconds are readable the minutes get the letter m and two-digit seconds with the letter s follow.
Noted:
3h48m47s
